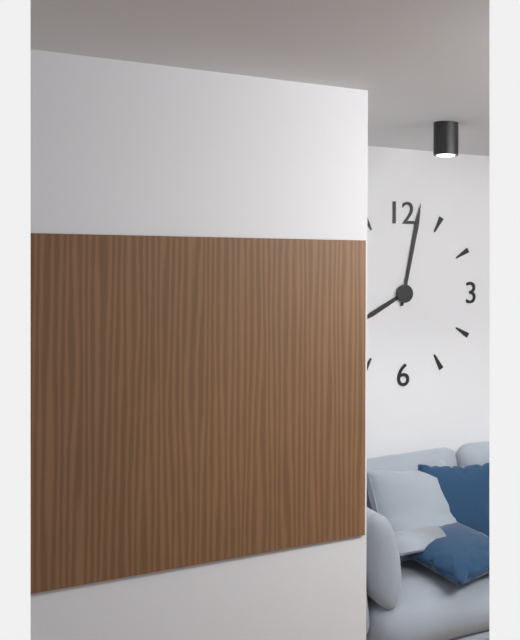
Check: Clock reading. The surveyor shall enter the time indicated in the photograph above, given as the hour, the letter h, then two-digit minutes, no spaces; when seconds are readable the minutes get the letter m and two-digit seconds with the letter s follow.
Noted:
8h02
